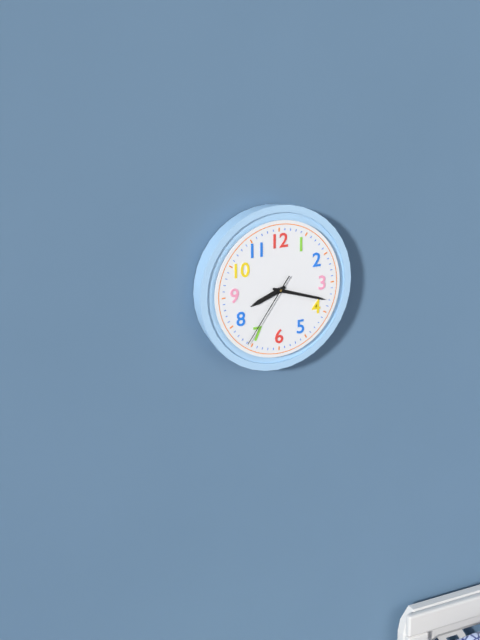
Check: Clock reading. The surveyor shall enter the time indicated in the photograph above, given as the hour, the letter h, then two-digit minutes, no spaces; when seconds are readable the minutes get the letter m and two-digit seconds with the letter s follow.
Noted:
8h18m36s
